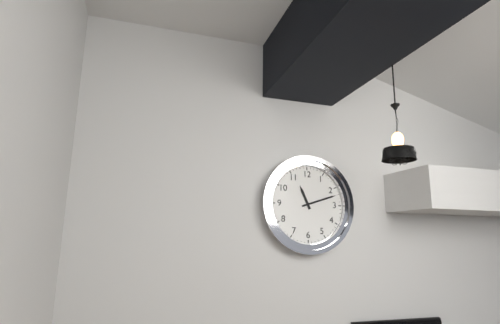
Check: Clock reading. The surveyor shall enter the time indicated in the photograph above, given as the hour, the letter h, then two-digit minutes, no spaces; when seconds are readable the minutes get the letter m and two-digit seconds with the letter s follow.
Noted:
11h12
